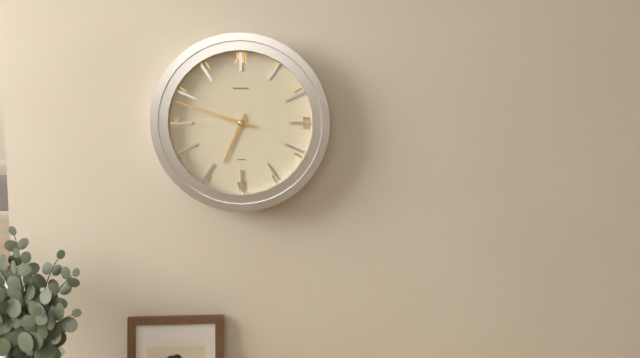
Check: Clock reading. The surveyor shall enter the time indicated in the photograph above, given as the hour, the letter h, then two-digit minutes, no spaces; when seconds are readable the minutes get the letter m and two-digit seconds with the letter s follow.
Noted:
6h48
